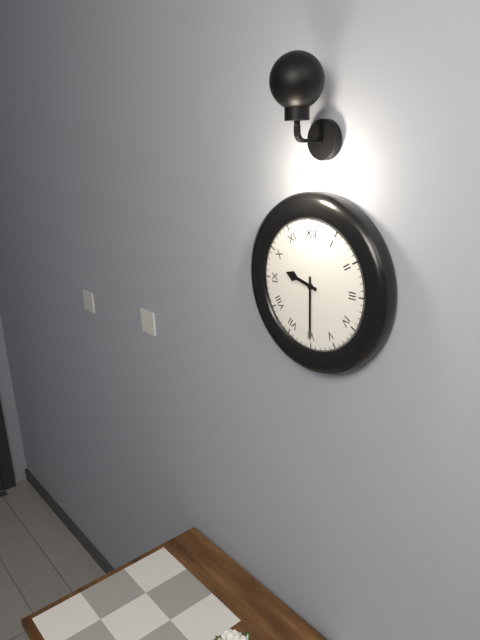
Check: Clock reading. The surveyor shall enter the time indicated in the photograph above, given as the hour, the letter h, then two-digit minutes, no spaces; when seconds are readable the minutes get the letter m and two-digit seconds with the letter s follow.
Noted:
9h30
